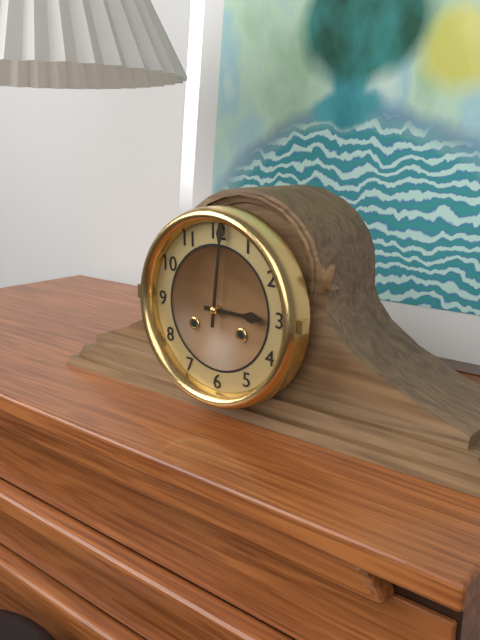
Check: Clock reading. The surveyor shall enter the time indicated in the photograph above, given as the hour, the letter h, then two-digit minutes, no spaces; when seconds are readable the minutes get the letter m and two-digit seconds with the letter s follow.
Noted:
3h01
